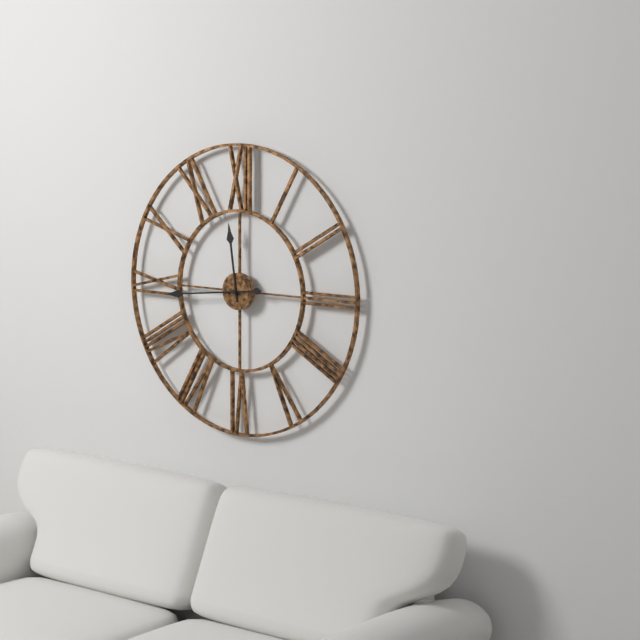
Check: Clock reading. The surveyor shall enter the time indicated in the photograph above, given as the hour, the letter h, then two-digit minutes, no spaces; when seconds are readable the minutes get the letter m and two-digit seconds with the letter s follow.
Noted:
11h44
